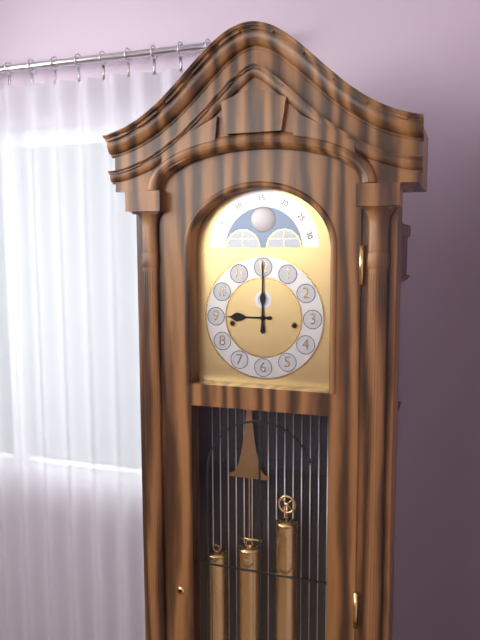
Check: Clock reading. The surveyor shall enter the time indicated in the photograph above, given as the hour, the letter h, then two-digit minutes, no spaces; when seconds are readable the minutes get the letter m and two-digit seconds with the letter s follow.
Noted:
9h00
